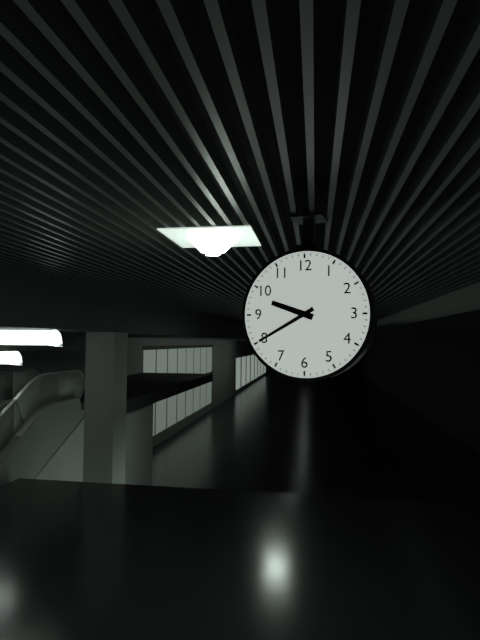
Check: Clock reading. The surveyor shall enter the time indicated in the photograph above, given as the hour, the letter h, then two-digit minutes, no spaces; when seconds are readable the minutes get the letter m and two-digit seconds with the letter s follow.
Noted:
9h40
